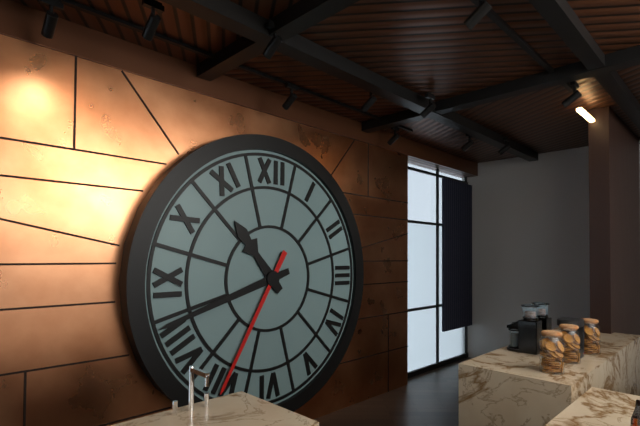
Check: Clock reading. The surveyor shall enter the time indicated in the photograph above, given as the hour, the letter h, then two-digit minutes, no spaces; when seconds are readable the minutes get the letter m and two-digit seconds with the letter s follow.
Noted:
10h42m35s
